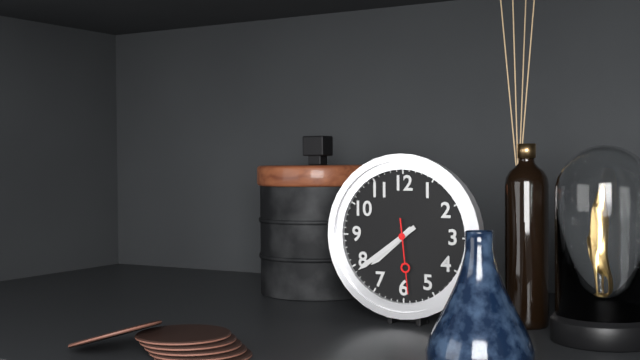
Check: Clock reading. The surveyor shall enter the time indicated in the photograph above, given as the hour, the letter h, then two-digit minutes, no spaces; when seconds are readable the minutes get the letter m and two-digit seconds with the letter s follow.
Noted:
7h39m29s
